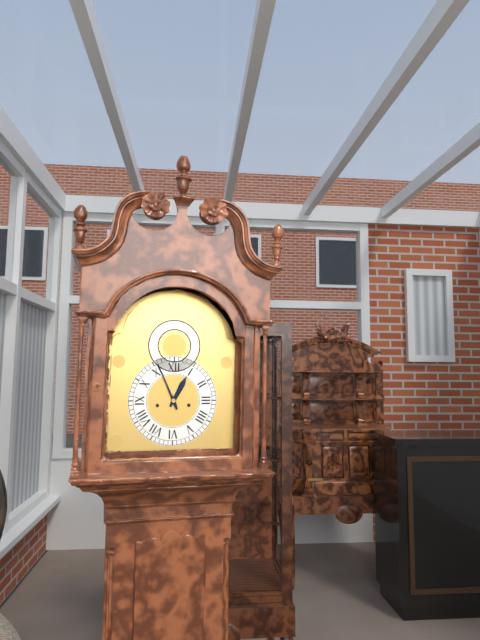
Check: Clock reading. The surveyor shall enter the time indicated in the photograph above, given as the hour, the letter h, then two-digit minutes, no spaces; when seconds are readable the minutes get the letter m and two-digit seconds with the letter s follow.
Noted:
12h56
